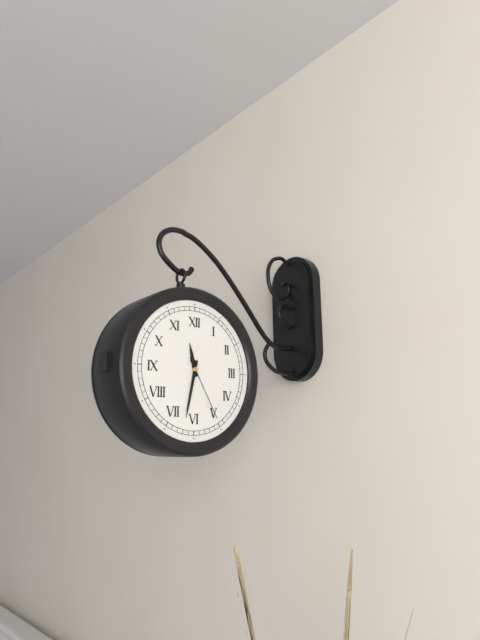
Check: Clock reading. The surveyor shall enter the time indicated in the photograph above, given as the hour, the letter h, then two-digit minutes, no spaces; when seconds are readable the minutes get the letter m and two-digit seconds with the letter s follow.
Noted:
11h32m25s
